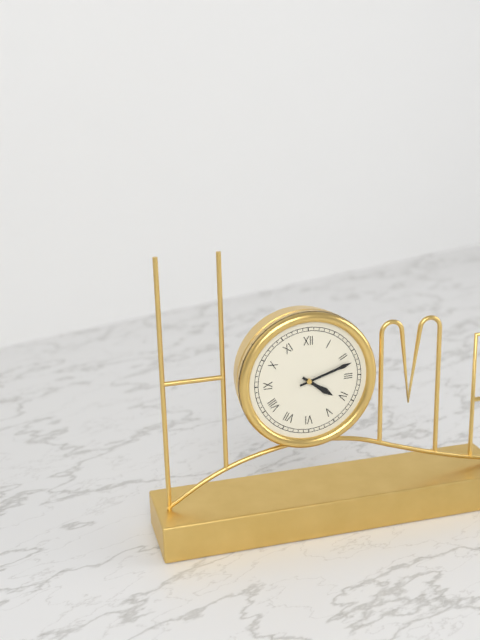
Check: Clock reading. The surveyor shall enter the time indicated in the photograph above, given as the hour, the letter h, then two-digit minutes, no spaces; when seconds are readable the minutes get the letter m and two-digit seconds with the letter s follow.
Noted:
4h12
